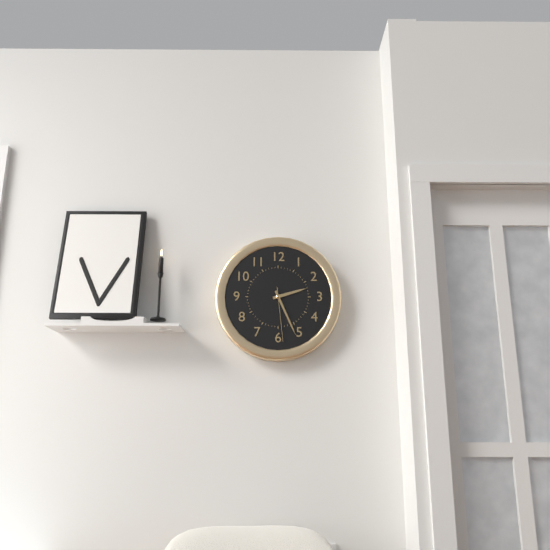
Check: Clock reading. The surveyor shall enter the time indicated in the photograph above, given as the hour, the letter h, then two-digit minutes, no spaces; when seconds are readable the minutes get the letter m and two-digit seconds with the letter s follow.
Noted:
2h26m29s
